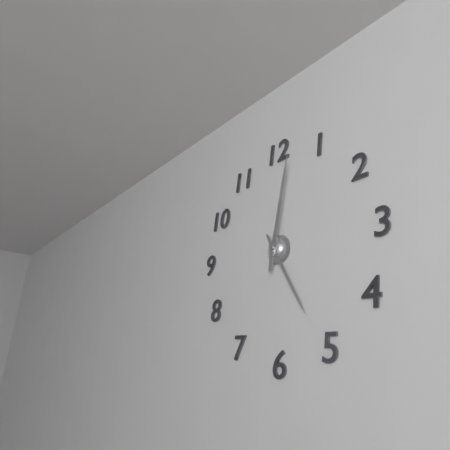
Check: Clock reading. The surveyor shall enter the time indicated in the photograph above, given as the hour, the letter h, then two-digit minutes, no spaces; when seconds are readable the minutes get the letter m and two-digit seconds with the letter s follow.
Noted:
5h02
